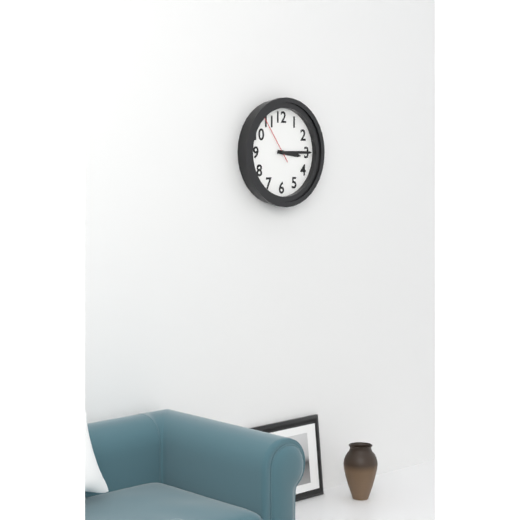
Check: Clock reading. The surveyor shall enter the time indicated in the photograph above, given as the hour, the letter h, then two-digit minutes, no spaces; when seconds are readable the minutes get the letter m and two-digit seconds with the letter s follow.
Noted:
3h15m54s
